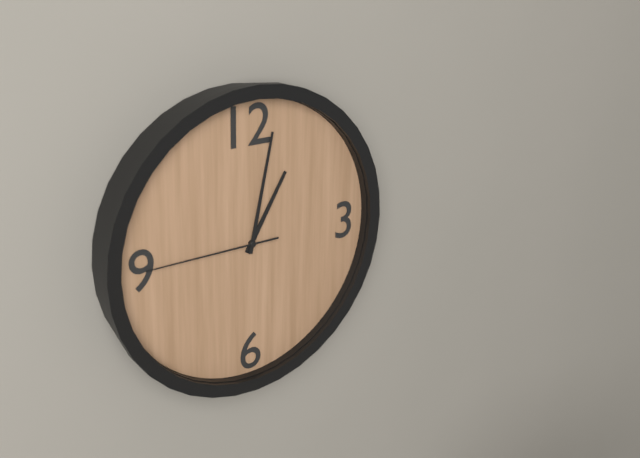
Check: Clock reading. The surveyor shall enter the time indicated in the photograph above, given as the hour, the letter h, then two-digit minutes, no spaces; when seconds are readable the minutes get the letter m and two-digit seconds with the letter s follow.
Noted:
1h02m45s
